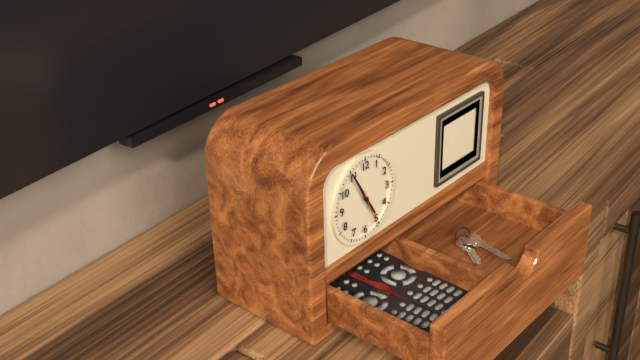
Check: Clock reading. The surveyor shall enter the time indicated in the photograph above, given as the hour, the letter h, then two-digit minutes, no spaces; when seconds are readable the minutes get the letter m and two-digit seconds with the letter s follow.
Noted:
4h55
